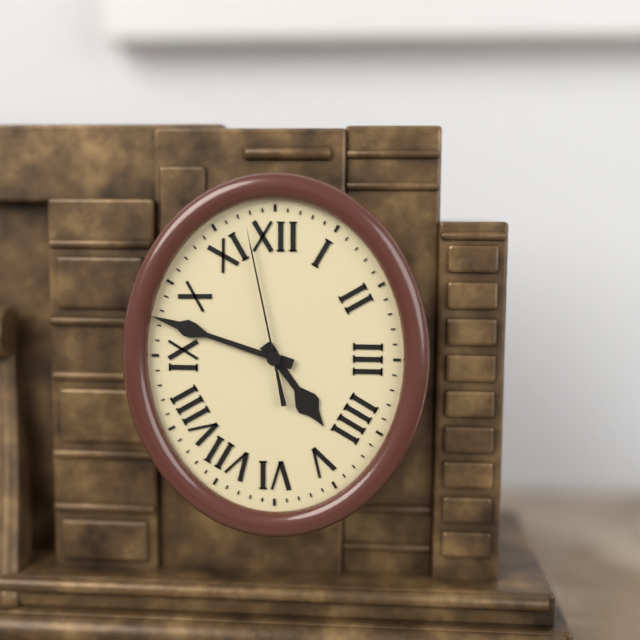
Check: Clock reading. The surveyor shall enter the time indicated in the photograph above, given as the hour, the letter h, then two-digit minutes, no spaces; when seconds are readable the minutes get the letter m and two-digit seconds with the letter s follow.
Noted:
4h48m58s
